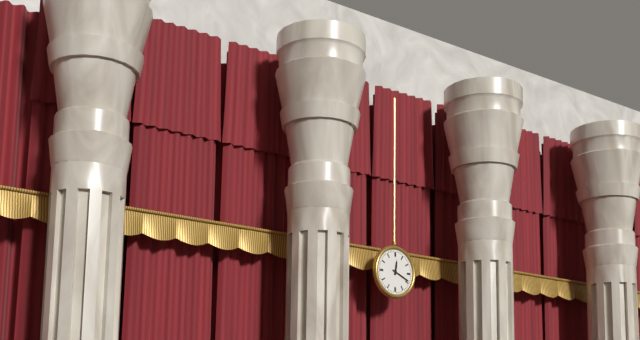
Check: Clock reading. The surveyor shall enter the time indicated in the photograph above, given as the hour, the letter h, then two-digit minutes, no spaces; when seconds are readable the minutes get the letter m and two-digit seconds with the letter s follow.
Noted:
12h19
